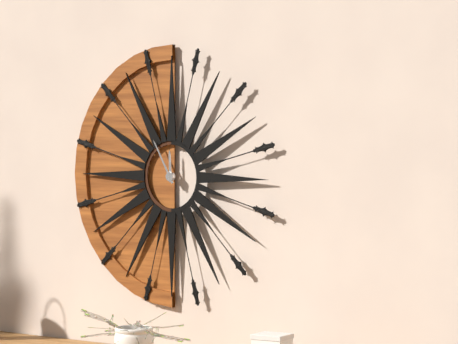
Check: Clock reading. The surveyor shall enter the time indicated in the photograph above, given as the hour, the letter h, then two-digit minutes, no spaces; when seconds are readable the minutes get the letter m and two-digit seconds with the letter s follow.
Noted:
11h55
